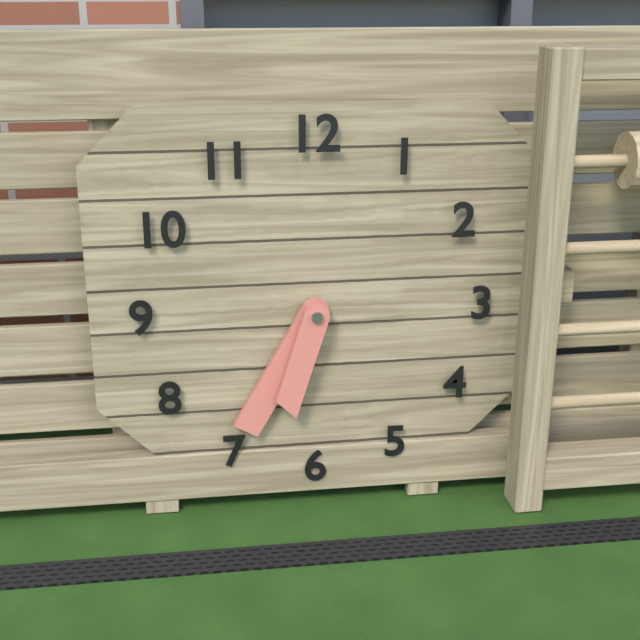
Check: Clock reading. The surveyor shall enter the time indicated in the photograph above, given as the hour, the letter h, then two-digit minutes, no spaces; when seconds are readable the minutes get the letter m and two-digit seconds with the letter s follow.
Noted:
6h35
